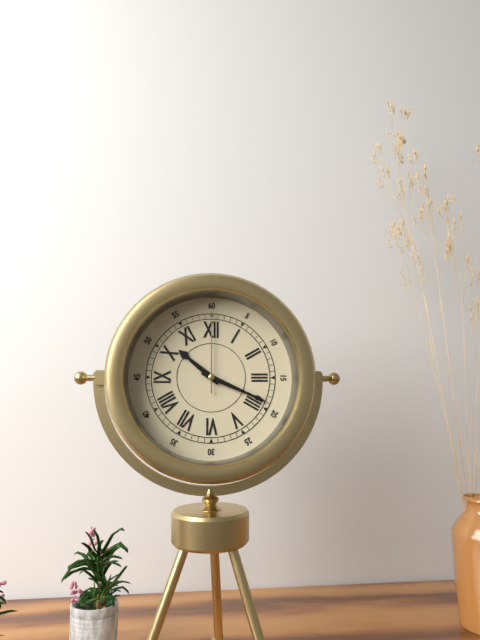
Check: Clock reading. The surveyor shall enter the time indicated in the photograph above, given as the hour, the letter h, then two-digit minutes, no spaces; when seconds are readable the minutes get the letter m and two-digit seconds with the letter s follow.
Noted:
10h19m00s
